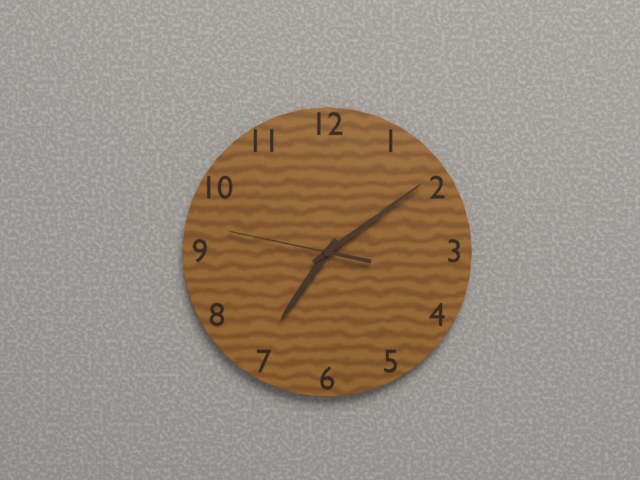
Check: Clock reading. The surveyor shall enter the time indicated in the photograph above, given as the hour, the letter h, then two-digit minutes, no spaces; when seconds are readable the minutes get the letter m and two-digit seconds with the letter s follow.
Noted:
7h09m47s
